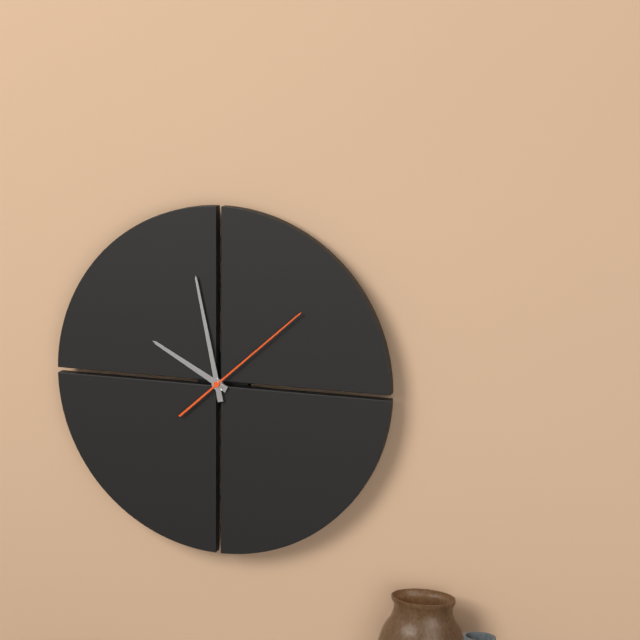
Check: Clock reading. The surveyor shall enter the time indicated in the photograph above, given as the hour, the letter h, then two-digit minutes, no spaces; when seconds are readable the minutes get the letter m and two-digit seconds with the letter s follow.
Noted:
9h58m08s
